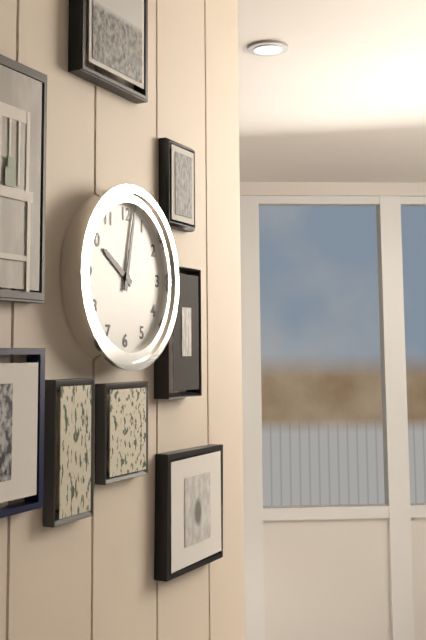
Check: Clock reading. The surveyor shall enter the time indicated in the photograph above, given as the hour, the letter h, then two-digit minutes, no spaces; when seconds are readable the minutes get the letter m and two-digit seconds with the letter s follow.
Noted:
10h02
